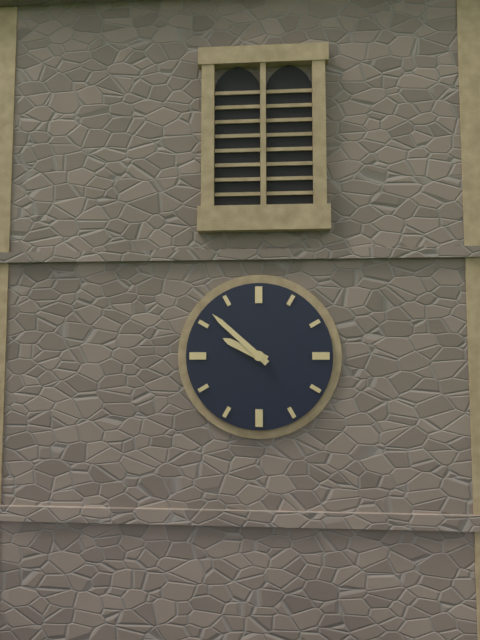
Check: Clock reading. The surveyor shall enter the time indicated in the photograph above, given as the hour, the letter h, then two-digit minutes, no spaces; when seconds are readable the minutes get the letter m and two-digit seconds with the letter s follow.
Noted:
9h52
